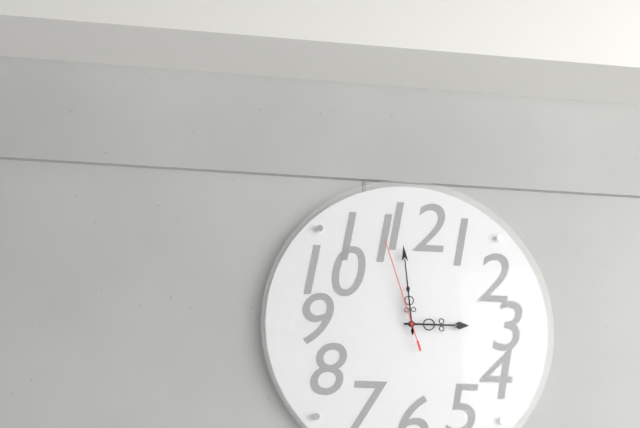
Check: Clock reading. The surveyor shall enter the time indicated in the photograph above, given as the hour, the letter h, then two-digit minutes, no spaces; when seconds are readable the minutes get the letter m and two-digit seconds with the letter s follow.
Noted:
2h59m57s
